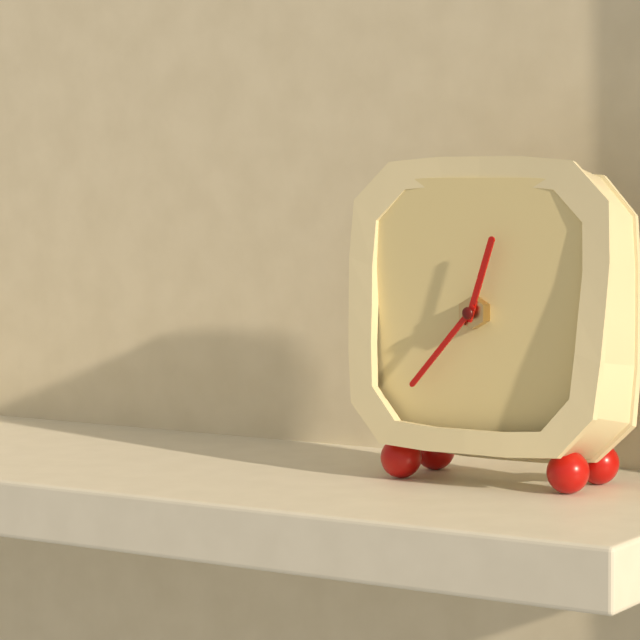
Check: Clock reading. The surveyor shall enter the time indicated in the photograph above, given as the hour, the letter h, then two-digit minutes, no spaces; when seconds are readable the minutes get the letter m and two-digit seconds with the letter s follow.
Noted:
12h37
